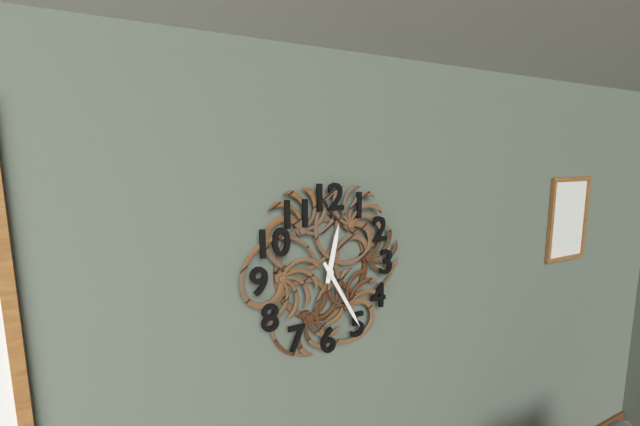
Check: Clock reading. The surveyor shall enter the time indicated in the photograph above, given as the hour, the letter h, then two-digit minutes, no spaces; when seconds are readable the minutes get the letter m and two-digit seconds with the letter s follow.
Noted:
12h25
